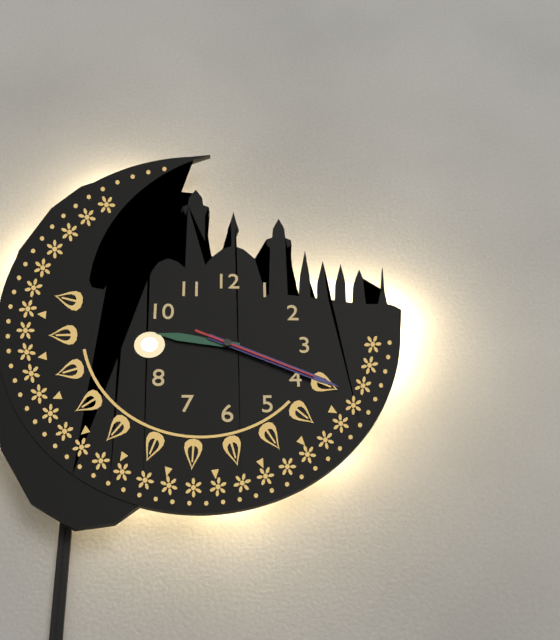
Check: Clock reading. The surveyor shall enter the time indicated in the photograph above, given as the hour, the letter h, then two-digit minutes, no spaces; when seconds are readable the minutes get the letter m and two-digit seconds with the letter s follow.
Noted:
9h19m19s
